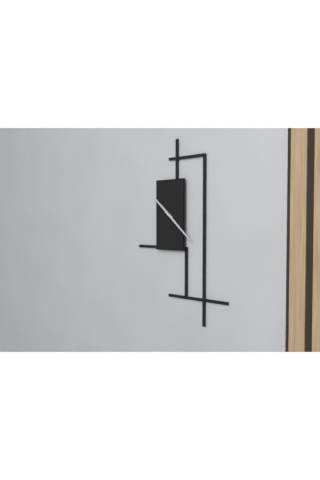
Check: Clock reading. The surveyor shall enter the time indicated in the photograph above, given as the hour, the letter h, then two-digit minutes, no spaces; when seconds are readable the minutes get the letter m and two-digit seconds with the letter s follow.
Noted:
10h22
